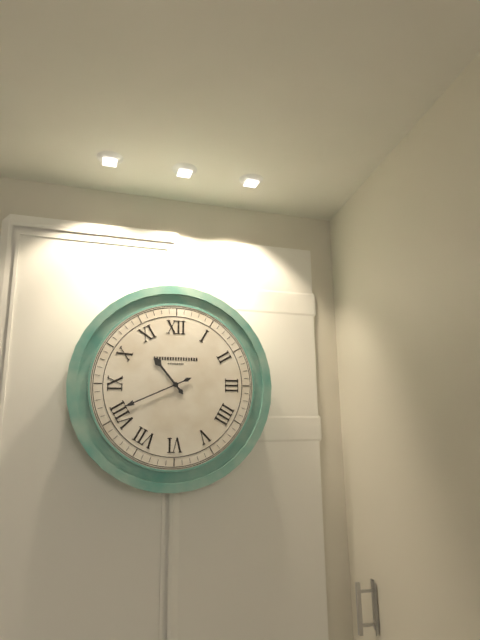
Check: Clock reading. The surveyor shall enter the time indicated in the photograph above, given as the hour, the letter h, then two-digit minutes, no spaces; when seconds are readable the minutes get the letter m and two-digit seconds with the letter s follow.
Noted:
10h41
